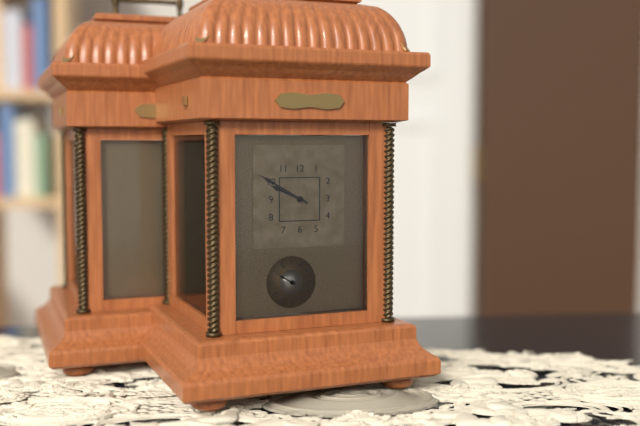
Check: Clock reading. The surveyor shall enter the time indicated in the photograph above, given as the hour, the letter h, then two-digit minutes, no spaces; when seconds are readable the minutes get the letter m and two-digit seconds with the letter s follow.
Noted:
9h50
